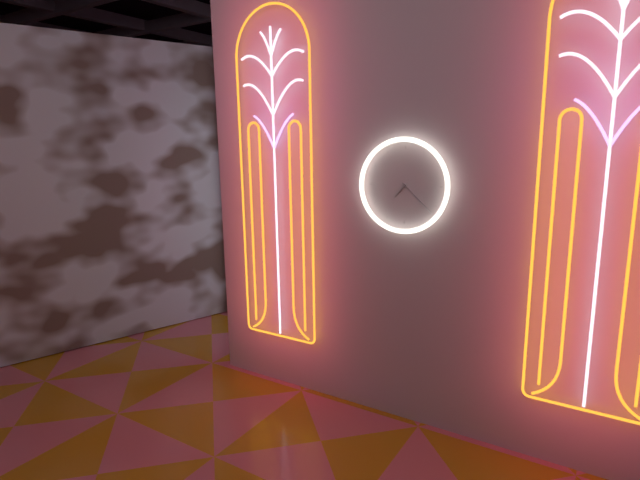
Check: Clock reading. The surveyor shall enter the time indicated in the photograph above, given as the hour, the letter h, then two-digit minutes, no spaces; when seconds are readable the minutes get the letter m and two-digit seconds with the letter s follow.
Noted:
7h22
